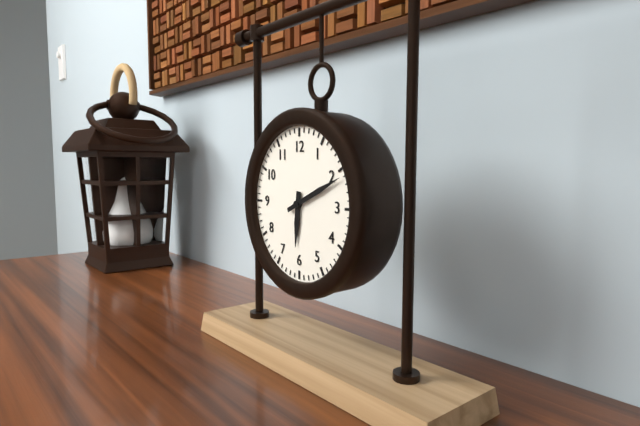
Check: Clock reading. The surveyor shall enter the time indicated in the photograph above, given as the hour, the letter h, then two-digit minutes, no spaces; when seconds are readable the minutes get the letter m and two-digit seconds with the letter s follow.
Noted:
6h11
